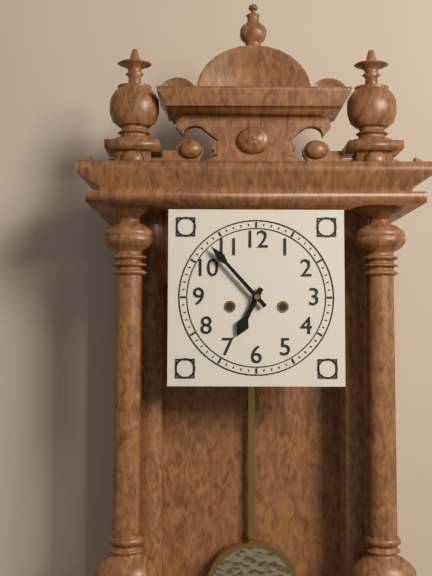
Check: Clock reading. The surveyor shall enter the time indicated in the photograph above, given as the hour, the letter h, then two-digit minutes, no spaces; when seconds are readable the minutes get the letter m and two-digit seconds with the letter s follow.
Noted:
6h53
